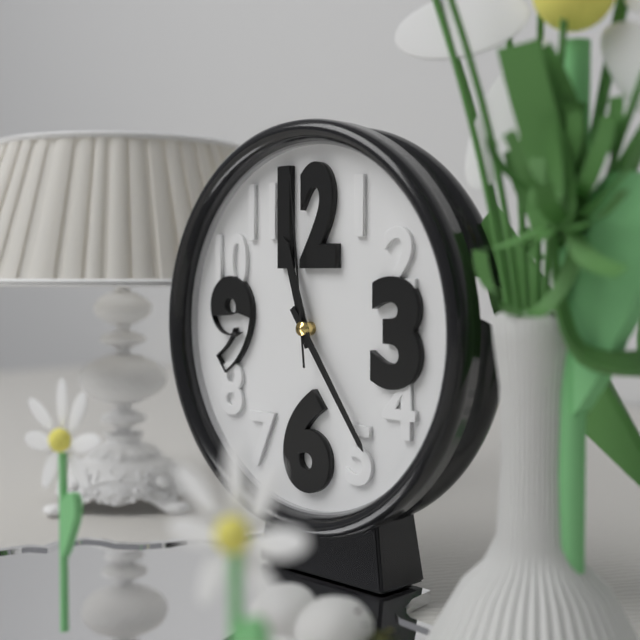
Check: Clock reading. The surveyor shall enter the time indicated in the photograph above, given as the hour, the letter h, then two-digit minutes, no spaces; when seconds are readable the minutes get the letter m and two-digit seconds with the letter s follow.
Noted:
11h24m59s
